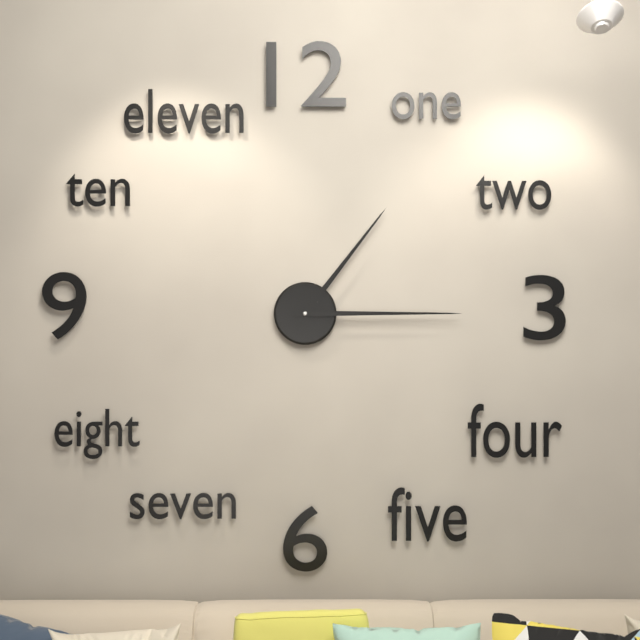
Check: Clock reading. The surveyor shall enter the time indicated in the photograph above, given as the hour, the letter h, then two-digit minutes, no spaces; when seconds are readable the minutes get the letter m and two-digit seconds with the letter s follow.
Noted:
1h15
